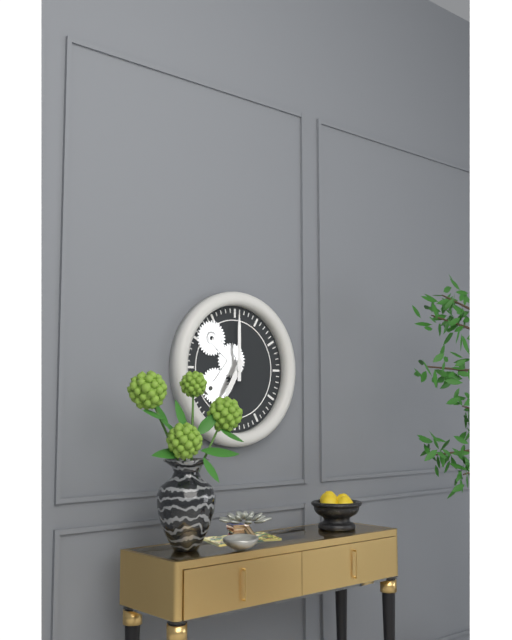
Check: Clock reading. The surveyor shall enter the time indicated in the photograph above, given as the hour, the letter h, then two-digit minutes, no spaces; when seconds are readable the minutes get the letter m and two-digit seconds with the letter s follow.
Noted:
7h00
